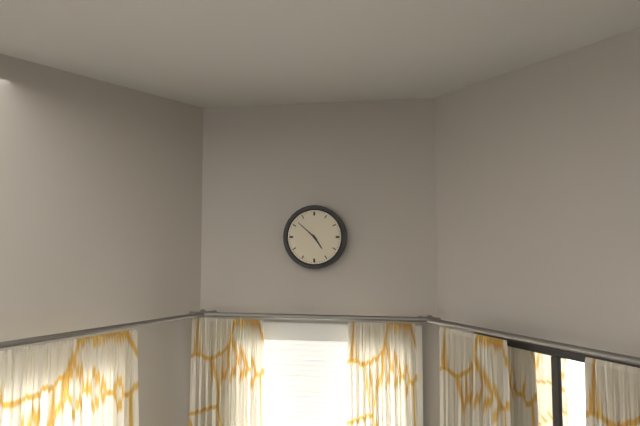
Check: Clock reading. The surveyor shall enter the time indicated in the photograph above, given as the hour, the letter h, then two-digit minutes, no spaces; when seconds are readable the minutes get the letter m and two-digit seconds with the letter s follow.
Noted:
4h52
